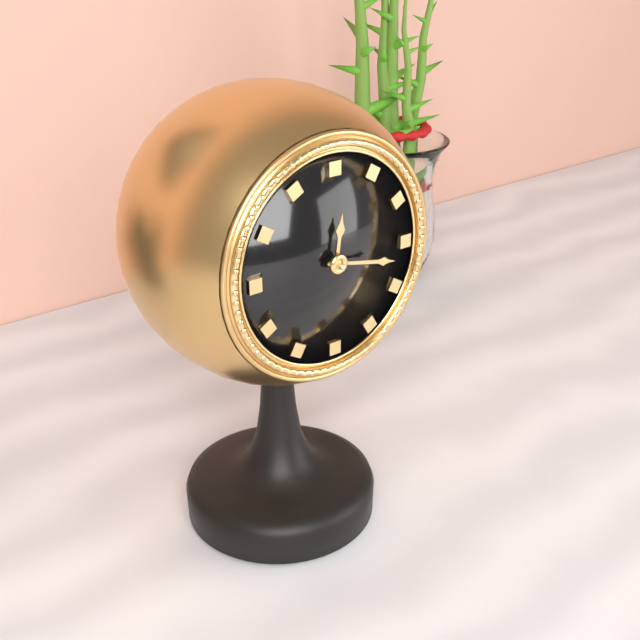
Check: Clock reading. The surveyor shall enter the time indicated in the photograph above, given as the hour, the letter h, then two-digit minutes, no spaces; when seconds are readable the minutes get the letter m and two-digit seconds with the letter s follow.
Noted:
12h17
